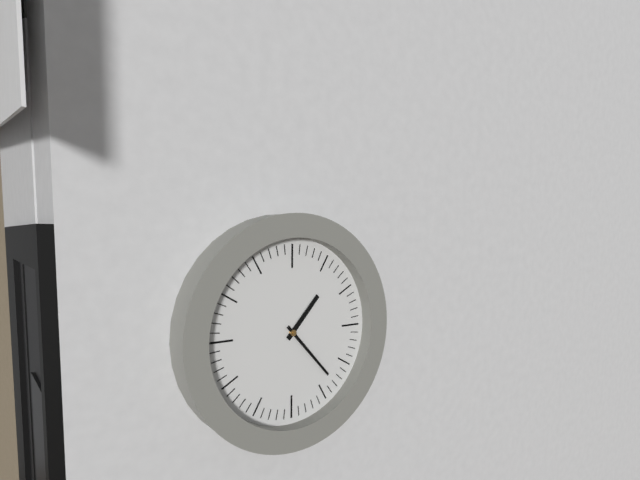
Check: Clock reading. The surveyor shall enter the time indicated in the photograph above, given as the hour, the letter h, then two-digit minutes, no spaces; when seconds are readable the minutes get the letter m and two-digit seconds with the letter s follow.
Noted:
1h23
